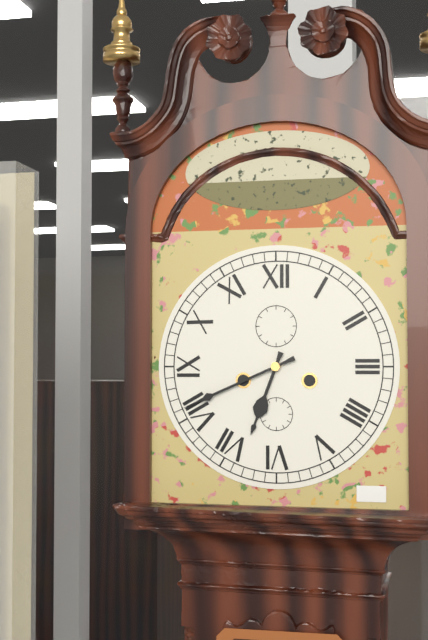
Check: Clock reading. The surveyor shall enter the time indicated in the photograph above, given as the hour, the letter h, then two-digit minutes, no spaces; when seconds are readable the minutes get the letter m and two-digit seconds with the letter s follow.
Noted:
6h41
